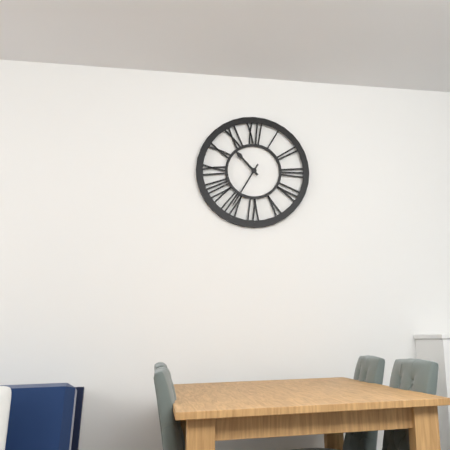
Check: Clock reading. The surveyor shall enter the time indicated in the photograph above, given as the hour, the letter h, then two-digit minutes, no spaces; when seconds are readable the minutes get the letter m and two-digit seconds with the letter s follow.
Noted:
10h35
